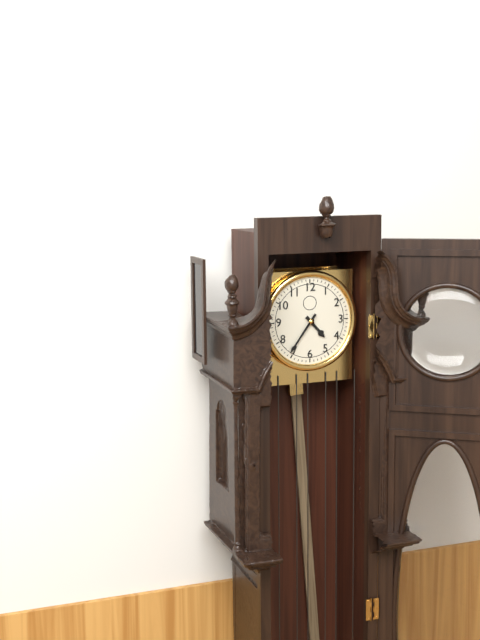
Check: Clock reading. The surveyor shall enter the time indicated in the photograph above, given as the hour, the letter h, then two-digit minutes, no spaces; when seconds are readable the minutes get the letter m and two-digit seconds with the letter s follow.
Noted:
4h36
